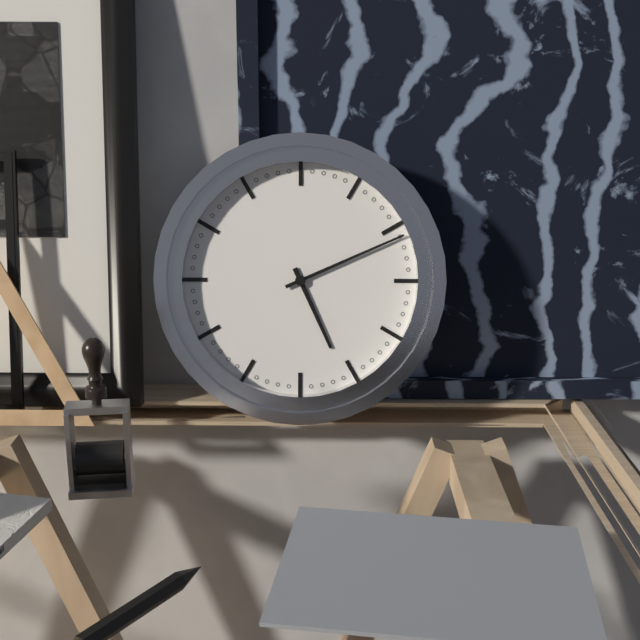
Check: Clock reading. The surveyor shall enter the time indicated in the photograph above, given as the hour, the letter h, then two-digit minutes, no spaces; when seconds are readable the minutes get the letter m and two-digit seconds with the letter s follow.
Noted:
5h11
